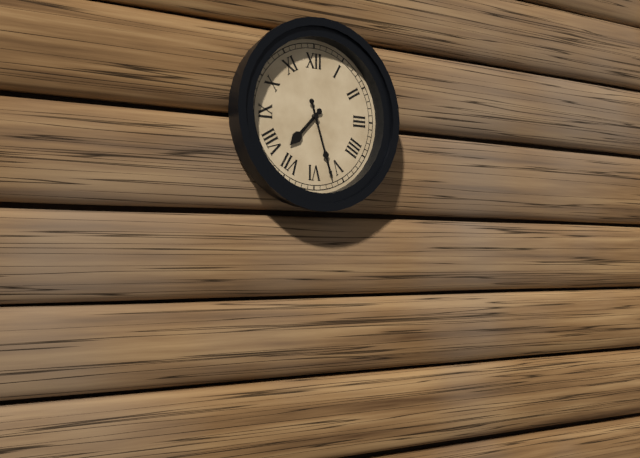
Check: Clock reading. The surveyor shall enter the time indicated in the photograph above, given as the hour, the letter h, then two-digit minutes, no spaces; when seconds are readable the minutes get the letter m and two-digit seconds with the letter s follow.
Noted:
7h27
